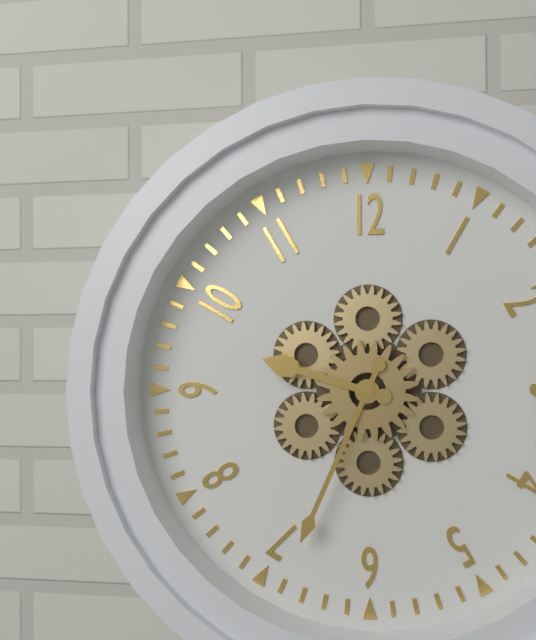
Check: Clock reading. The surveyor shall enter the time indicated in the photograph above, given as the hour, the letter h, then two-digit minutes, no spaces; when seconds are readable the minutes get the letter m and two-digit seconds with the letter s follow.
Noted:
9h34
